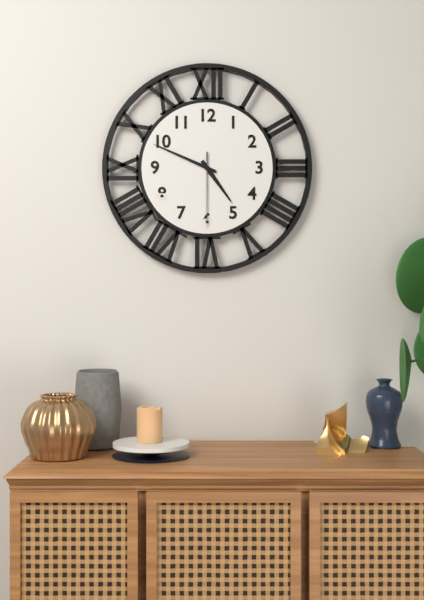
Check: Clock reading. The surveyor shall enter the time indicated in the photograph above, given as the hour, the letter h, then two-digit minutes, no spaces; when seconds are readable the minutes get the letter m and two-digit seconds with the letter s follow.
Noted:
4h49m30s
